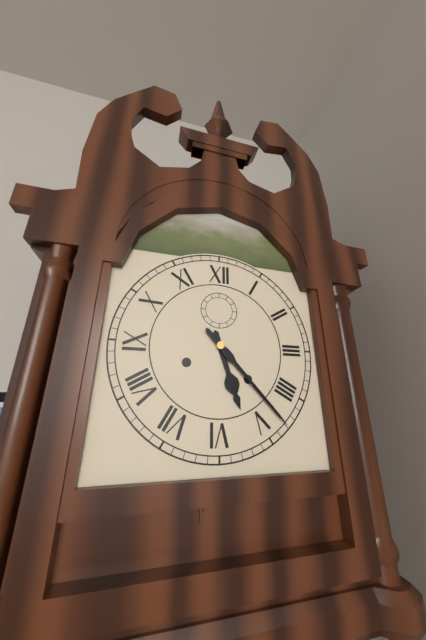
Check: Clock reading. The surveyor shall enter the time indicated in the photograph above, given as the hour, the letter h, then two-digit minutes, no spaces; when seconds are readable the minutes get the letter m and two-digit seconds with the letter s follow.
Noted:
5h23
